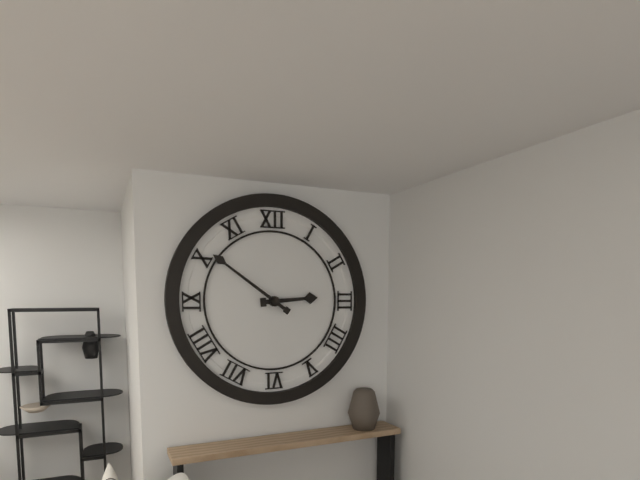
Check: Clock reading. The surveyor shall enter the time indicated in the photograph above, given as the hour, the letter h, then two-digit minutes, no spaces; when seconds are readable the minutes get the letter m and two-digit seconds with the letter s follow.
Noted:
2h51
